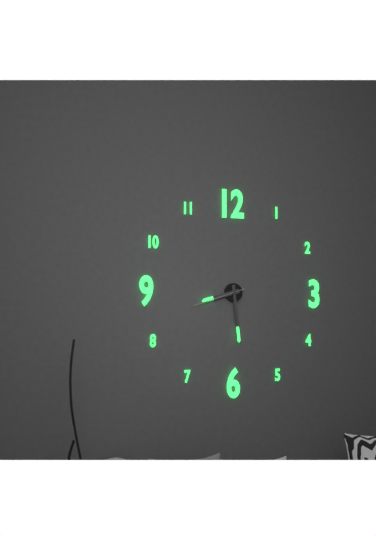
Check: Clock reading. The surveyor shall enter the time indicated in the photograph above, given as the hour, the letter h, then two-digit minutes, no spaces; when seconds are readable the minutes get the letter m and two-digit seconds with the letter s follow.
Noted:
8h29m42s
